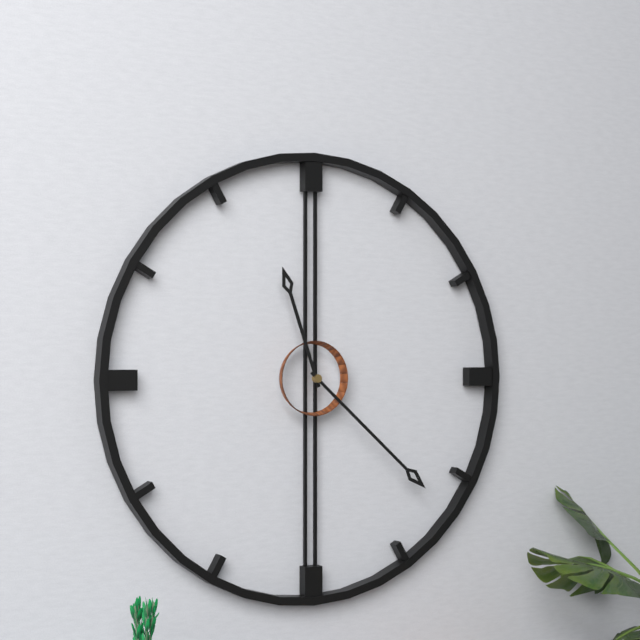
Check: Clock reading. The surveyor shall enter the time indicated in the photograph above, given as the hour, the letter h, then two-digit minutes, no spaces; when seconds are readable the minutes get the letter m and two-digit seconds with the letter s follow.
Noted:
11h22
